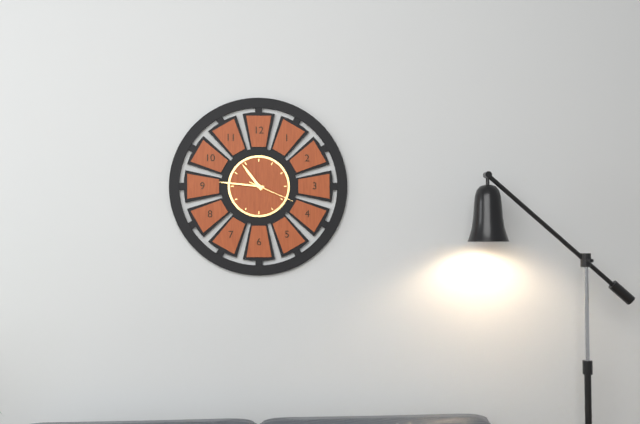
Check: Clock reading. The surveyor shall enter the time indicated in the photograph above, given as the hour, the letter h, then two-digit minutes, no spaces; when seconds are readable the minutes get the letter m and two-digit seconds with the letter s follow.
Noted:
10h46
